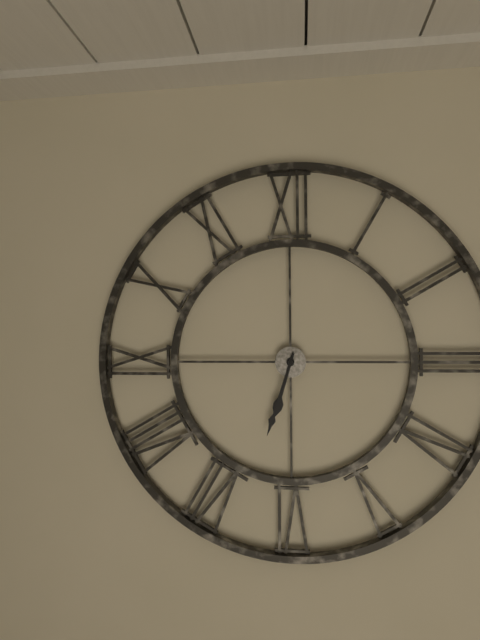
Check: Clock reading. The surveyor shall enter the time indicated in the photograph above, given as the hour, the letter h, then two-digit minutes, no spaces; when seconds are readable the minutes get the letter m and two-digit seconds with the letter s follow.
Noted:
6h33
